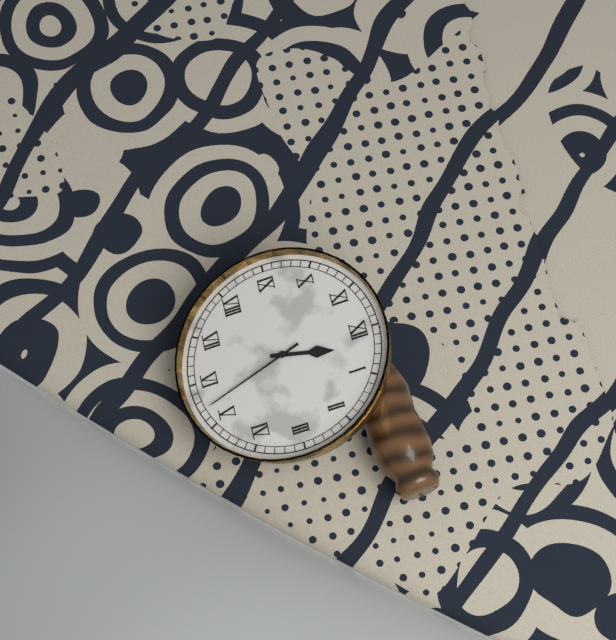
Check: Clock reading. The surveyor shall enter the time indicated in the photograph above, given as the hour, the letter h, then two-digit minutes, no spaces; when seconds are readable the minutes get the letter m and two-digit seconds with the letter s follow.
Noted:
12h27
